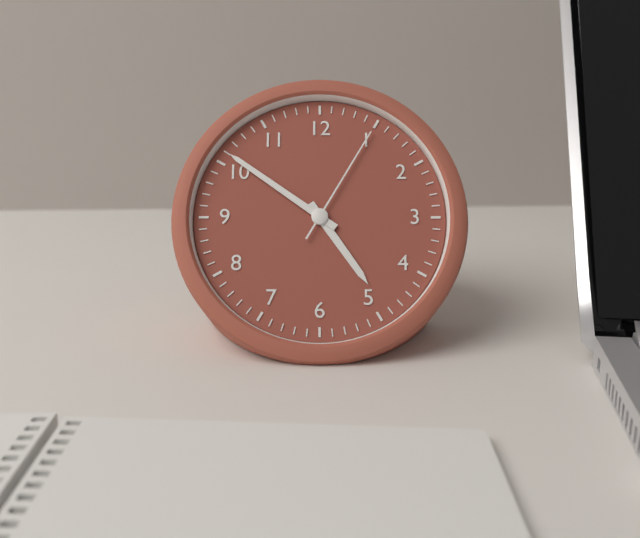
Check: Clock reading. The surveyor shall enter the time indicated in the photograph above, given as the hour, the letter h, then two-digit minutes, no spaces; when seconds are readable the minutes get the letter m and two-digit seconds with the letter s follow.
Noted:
4h51m05s
